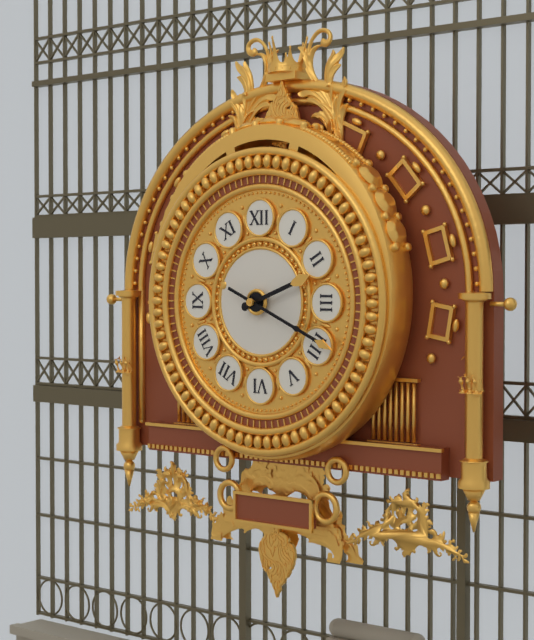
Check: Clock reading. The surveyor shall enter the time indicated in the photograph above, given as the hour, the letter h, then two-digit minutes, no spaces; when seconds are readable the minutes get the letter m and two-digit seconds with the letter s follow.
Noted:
2h19
